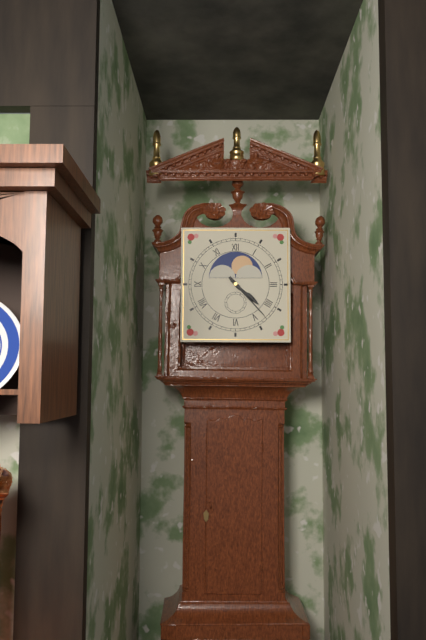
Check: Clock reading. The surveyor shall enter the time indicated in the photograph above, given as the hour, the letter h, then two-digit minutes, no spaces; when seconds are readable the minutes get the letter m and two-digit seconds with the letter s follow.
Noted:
4h23
